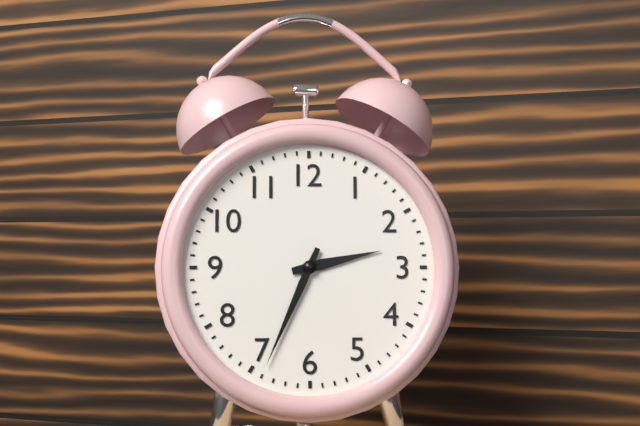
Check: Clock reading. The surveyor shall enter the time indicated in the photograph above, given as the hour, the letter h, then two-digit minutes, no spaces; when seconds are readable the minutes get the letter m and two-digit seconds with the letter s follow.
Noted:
2h34
